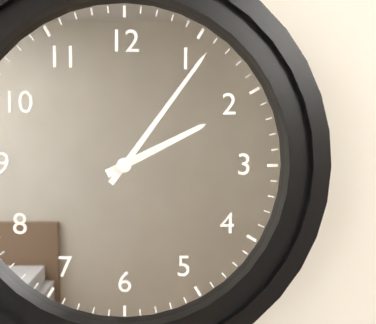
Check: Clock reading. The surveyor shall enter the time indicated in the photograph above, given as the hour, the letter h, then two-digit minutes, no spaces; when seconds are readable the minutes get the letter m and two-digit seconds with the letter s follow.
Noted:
2h06
